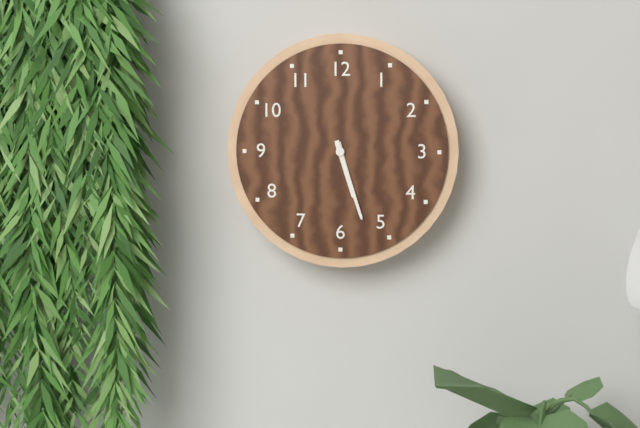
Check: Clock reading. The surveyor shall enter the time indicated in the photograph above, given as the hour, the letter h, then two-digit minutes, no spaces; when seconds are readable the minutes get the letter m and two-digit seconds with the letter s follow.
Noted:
5h27
